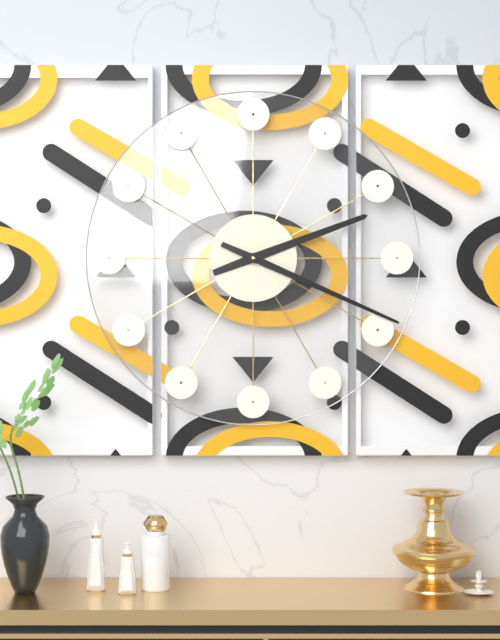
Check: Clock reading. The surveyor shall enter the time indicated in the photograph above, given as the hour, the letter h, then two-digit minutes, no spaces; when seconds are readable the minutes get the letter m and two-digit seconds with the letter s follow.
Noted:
2h19
